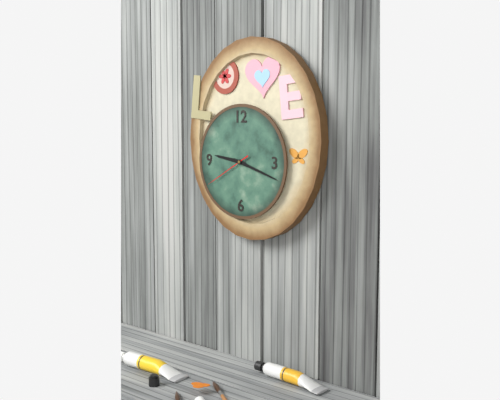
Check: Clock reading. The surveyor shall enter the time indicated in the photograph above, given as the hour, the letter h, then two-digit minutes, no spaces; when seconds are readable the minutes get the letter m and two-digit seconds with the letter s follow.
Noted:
9h18m40s
